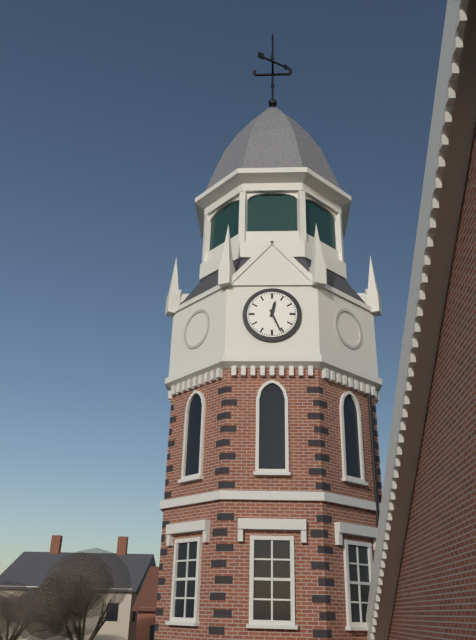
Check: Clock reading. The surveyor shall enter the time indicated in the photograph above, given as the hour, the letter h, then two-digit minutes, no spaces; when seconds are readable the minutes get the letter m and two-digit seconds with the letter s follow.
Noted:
12h26
